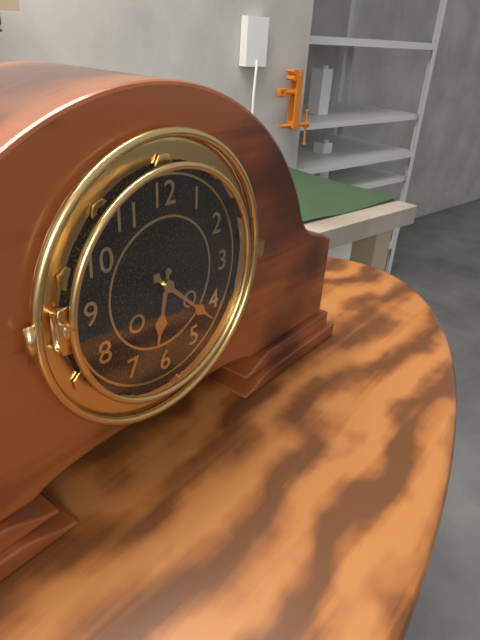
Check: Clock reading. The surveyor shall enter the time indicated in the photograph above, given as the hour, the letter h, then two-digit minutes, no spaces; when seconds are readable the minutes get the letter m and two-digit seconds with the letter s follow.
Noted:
6h22
